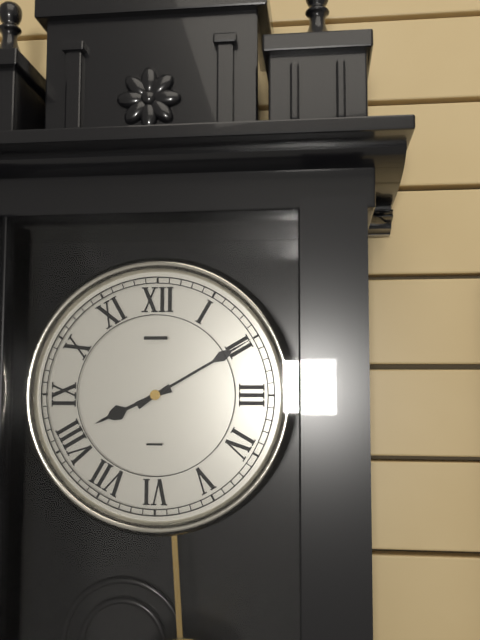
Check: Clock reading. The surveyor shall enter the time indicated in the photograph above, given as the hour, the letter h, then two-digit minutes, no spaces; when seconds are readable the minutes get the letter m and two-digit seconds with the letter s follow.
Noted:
8h10
